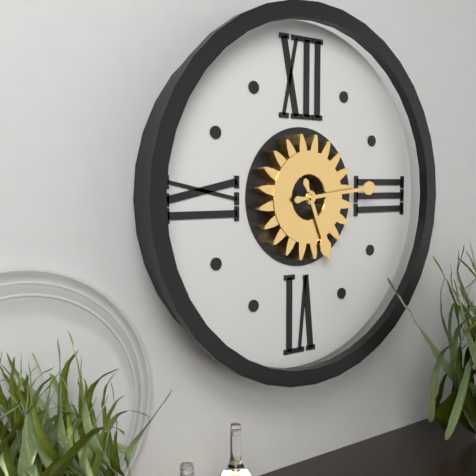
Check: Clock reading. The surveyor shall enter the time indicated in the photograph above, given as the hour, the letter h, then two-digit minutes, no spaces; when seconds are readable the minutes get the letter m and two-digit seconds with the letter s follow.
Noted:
5h14
